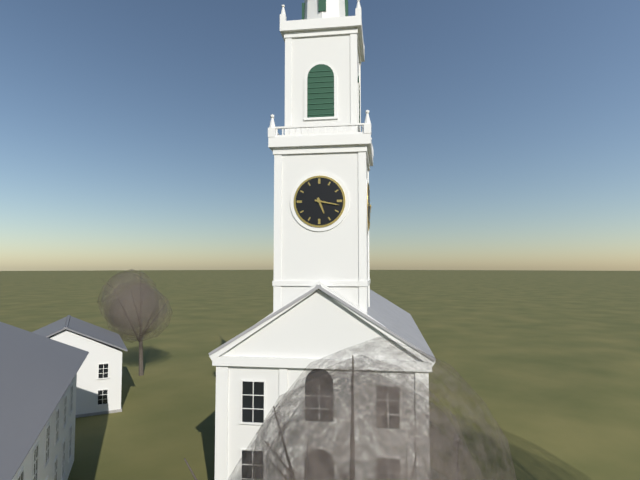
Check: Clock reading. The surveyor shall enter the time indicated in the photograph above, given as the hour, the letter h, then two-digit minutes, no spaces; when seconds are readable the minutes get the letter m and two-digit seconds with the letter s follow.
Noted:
5h17
